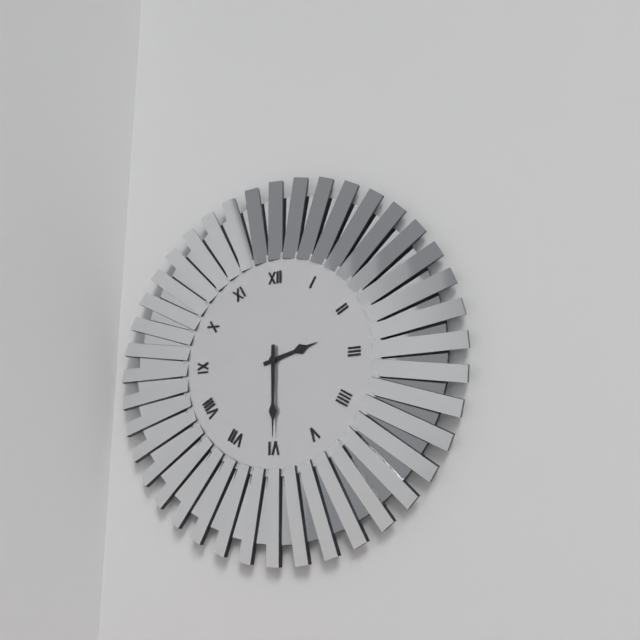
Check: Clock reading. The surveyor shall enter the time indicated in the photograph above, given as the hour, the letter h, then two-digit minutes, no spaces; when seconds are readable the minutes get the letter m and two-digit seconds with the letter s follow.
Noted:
2h30
